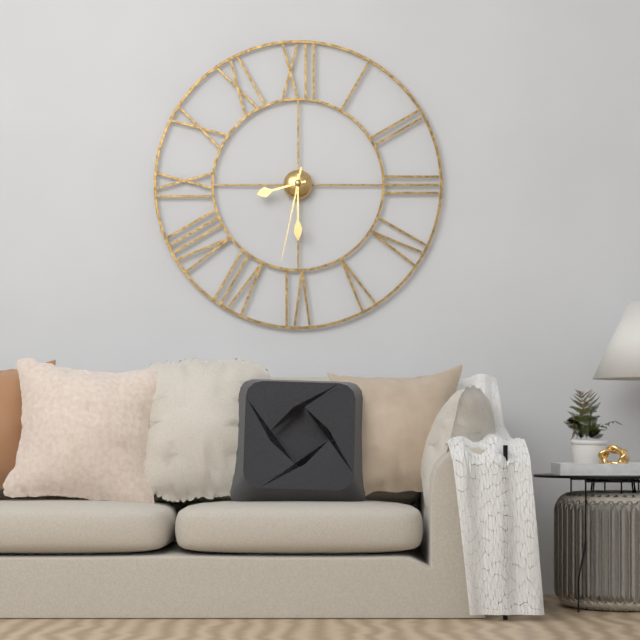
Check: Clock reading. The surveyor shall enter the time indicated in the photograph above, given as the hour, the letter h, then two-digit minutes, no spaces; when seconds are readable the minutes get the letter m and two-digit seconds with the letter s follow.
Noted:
8h30m32s
